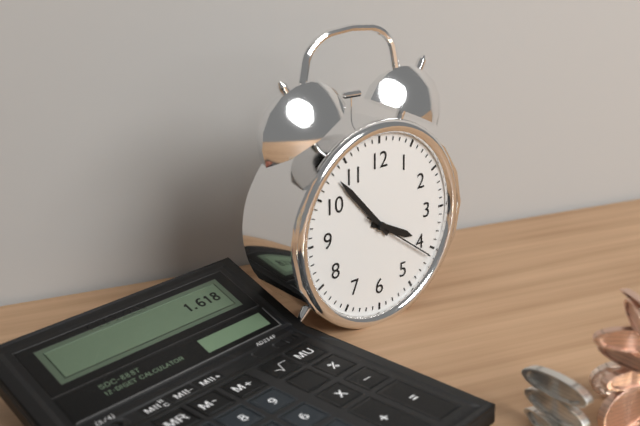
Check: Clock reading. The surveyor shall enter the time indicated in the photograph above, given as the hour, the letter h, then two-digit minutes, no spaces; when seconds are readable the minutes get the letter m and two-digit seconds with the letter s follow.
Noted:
3h53m21s
